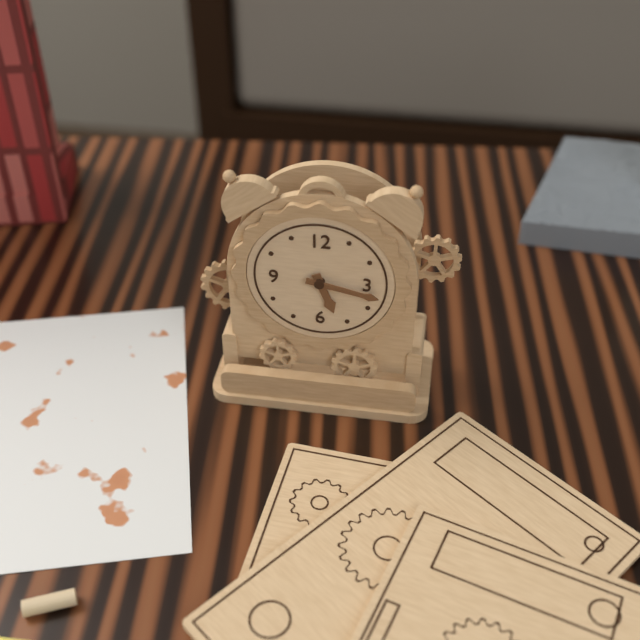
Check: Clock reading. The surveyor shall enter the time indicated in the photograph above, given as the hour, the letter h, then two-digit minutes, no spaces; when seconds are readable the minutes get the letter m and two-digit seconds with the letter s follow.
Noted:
5h17
